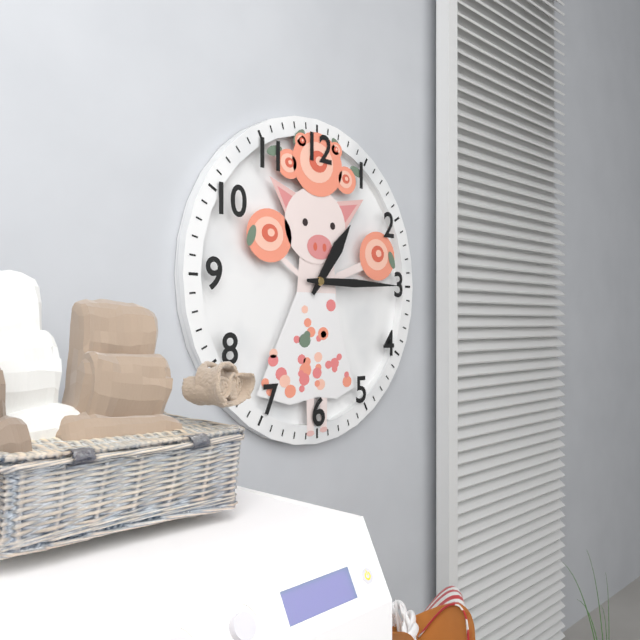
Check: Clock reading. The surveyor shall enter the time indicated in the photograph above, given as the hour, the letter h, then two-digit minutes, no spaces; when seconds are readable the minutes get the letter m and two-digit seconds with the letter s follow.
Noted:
1h15
